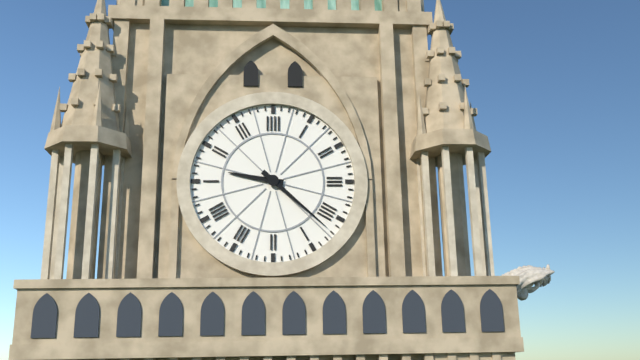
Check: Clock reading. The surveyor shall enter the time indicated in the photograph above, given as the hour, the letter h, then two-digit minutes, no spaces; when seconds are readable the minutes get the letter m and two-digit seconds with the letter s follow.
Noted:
9h22
